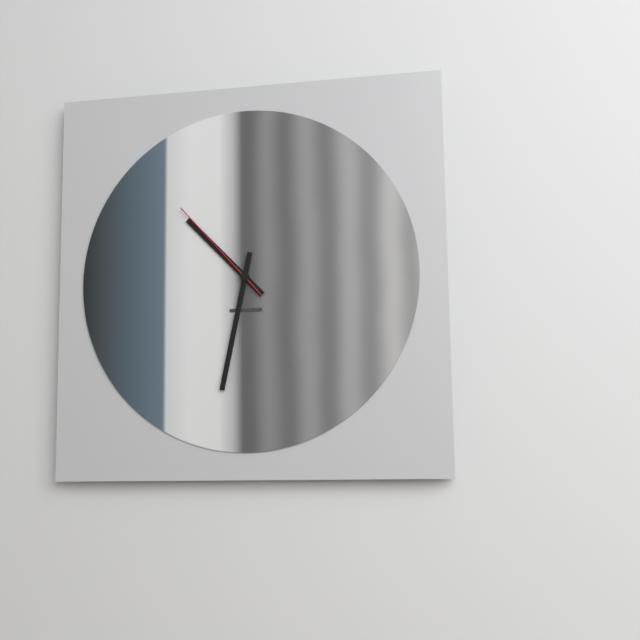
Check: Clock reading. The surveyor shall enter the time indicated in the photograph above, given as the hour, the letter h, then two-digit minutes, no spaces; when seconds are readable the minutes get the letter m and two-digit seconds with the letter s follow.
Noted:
10h32m53s
